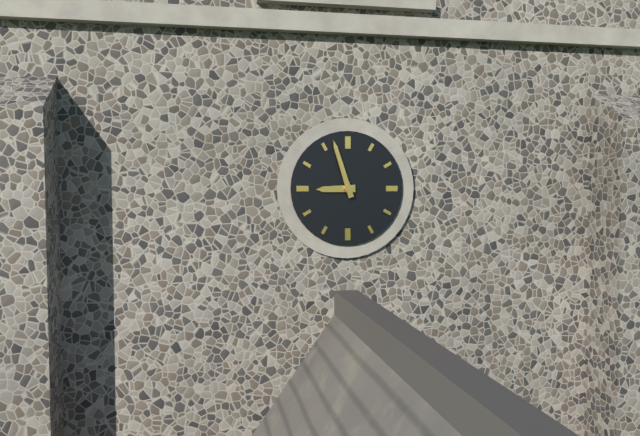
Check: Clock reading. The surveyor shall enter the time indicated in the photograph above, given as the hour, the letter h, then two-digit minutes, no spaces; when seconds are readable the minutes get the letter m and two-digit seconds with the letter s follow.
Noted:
8h57
